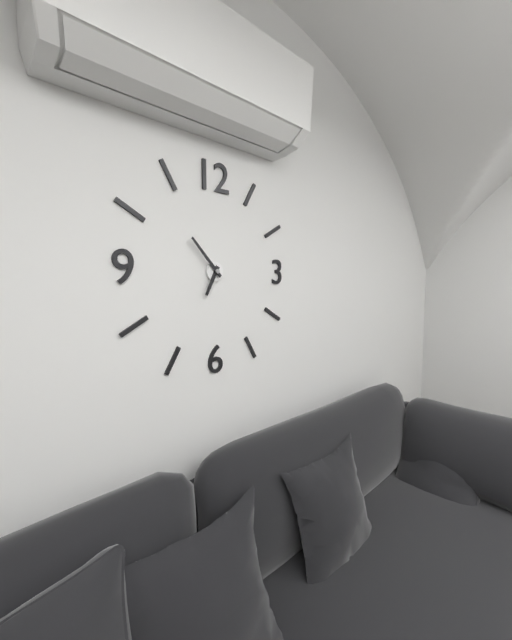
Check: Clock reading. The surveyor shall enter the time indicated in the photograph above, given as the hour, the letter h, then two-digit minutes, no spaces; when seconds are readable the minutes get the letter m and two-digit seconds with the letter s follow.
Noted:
6h53
